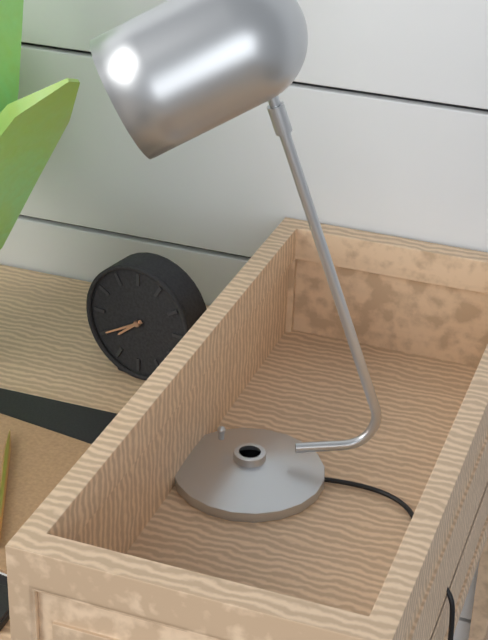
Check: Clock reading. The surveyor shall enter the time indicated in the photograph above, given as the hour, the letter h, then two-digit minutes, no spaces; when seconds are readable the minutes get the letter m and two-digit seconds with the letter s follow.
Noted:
7h40
